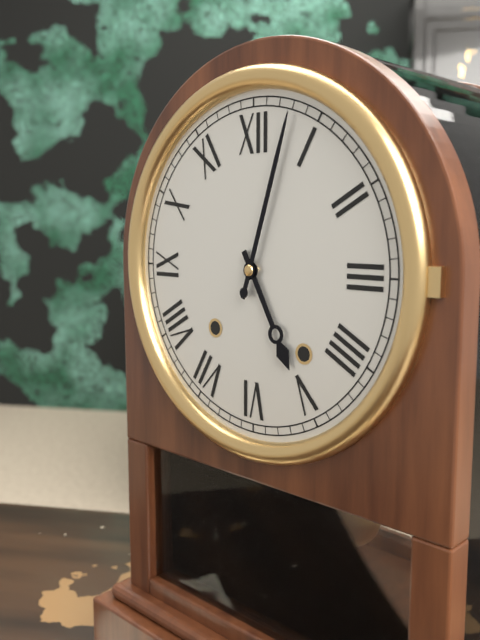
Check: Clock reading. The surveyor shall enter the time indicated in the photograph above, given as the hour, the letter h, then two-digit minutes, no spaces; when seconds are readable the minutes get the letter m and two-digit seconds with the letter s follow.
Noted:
5h03
